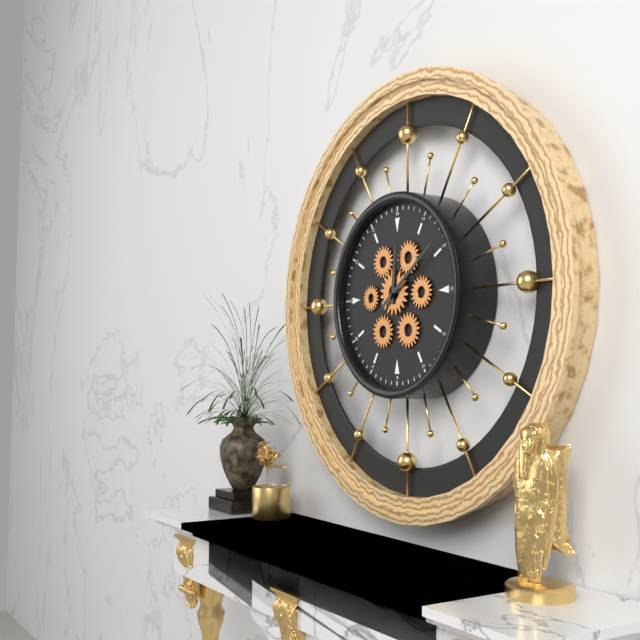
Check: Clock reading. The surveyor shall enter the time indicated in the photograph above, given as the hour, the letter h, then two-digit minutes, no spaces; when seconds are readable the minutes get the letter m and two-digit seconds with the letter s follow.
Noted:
12h09
